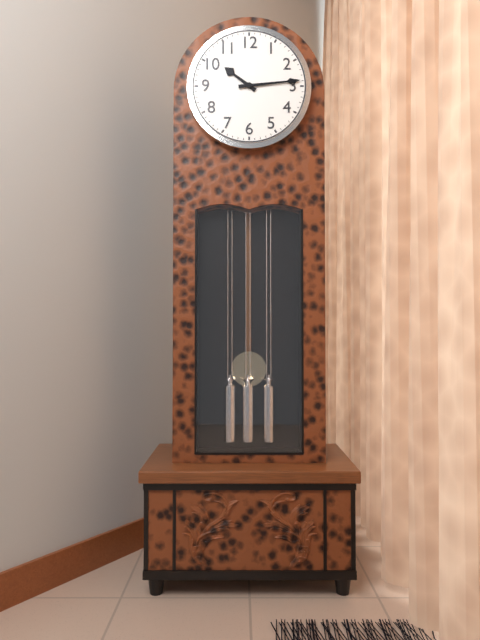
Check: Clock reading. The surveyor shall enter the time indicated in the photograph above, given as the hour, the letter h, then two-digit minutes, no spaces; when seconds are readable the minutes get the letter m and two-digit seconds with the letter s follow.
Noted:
10h14
